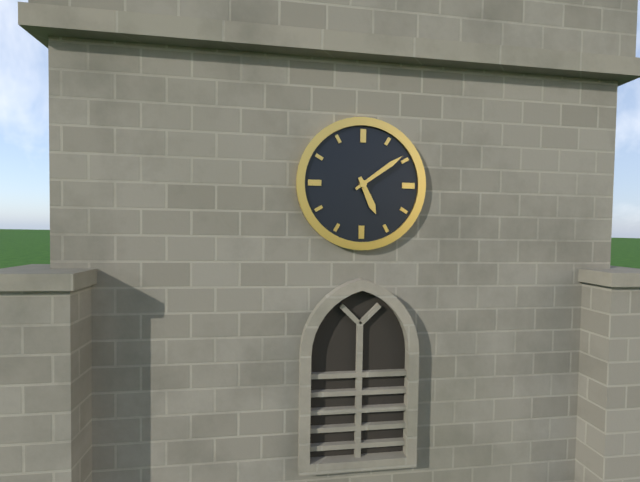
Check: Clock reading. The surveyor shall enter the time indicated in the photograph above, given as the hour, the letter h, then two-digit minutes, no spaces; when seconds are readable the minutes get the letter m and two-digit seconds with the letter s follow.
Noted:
5h09
